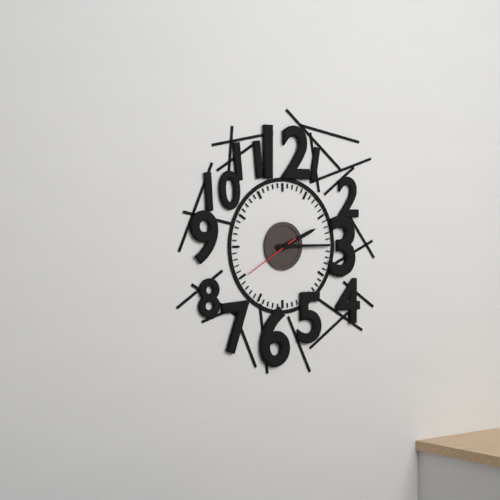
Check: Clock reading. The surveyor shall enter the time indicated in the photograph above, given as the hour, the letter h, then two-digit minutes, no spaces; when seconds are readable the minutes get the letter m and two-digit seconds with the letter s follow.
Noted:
2h15m40s
